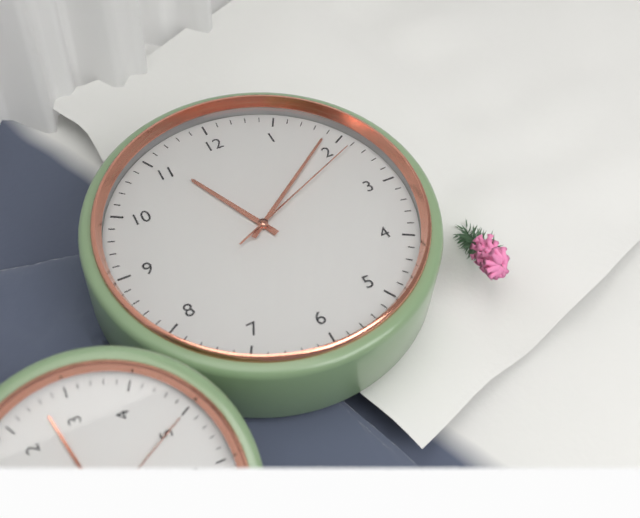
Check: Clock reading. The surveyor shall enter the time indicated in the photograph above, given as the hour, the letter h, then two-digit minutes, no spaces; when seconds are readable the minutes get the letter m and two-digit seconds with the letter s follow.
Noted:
11h09m11s
